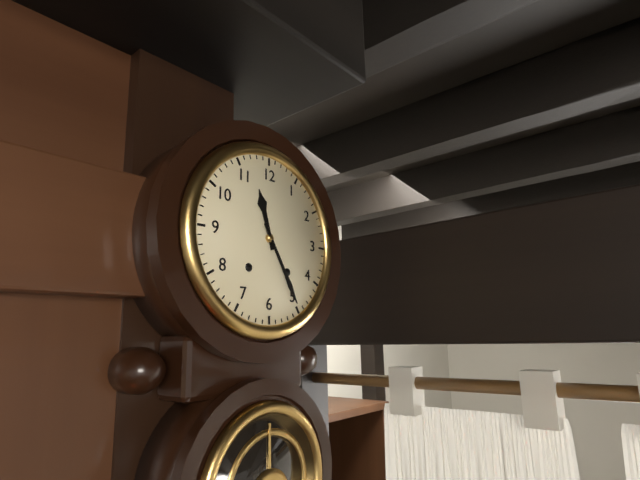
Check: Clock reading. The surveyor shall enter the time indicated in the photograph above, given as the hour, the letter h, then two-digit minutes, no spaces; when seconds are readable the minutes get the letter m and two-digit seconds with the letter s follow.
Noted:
11h25
